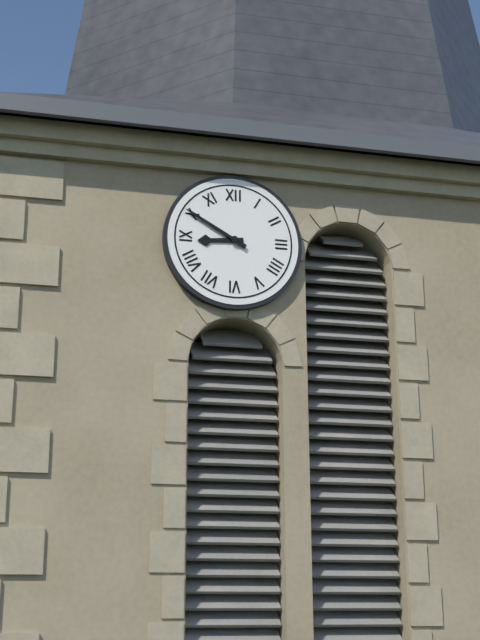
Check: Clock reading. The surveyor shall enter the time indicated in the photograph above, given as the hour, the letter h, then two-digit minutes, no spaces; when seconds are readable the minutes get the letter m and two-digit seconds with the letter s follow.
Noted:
8h50
